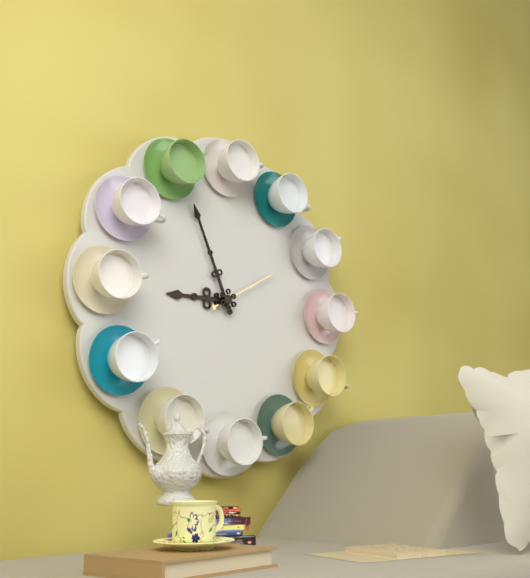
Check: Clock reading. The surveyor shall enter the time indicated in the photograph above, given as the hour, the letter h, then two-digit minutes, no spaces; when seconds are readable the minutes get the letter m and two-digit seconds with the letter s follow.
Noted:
8h56m10s
